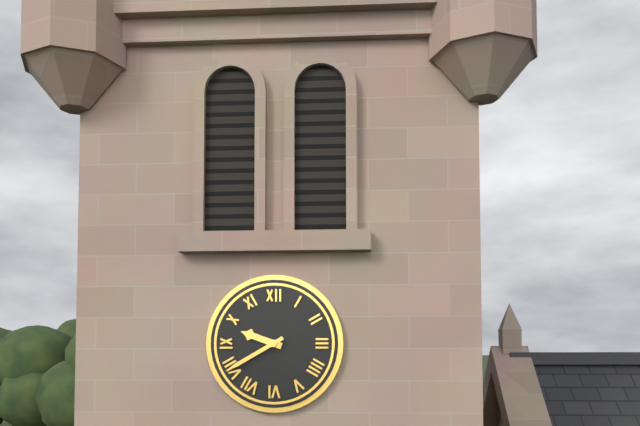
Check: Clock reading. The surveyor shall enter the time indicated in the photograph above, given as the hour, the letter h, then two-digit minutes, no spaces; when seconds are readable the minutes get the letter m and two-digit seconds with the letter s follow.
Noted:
9h40
